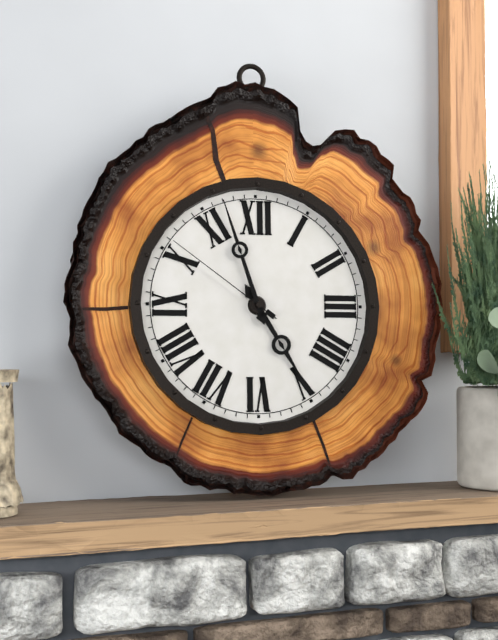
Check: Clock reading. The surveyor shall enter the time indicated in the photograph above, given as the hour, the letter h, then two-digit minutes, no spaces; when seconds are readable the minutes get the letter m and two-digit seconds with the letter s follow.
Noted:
4h57m51s
